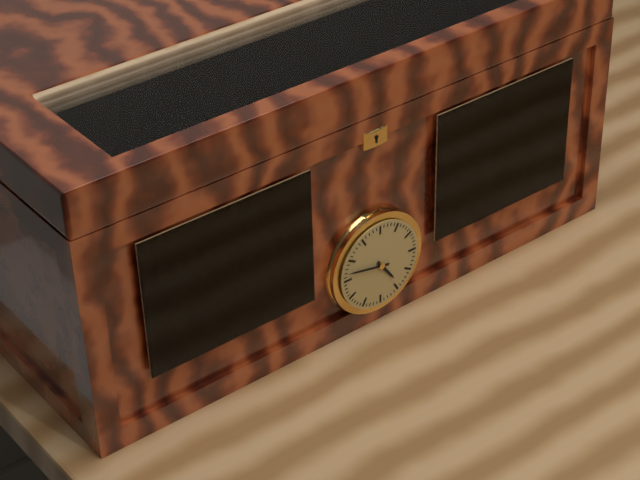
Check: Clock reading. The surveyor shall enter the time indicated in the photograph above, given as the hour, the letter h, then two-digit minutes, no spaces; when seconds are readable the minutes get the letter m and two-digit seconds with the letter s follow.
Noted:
4h47
